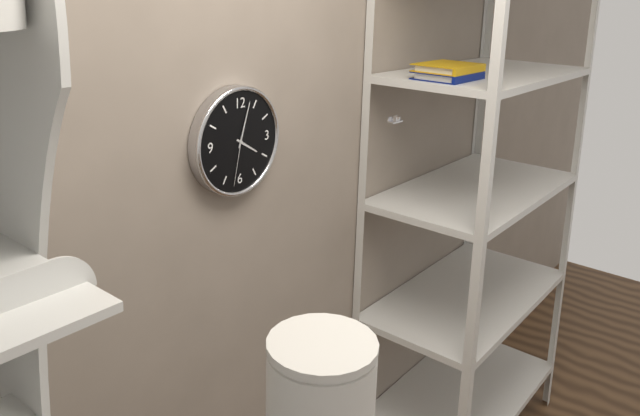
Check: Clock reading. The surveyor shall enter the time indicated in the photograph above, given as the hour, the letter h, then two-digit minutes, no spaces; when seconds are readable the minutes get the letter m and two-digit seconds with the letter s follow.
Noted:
4h03m32s
